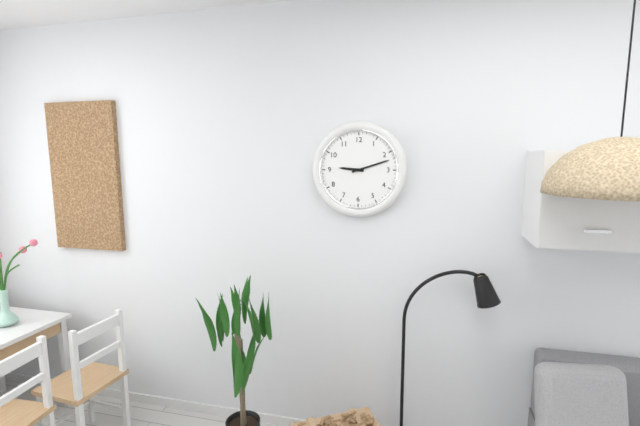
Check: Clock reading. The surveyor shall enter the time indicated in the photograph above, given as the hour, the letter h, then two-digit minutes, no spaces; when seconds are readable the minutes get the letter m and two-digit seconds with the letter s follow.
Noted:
9h12
